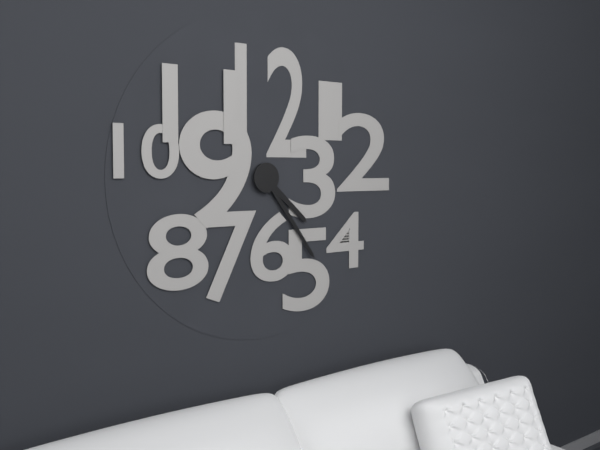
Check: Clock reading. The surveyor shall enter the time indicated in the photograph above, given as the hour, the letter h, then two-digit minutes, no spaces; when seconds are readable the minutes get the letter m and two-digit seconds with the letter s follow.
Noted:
4h24
